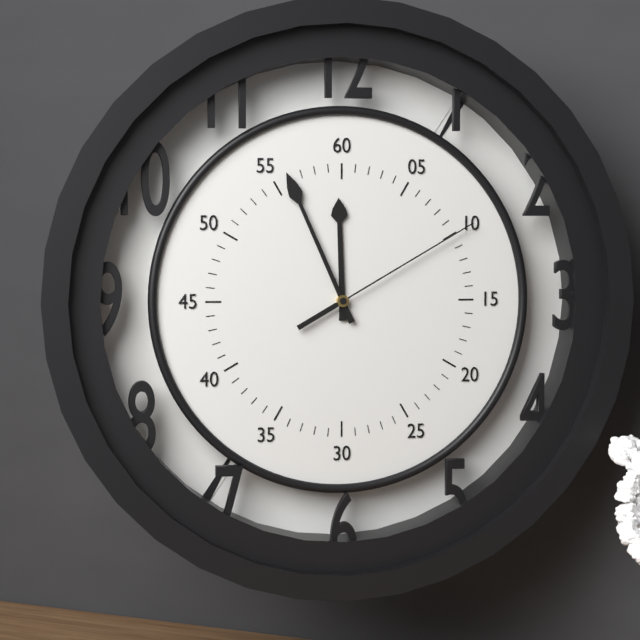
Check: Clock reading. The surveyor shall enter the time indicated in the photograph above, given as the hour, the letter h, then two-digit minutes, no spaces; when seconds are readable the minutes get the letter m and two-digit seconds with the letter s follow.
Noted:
11h56m10s
